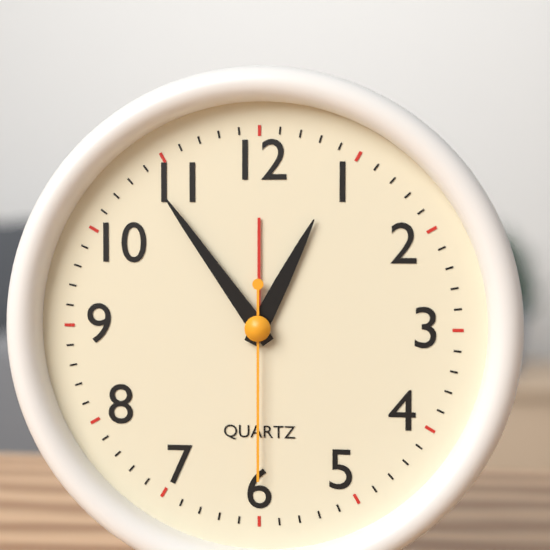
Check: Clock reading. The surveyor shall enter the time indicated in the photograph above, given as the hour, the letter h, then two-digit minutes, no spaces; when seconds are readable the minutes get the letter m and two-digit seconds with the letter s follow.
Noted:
12h54m30s
